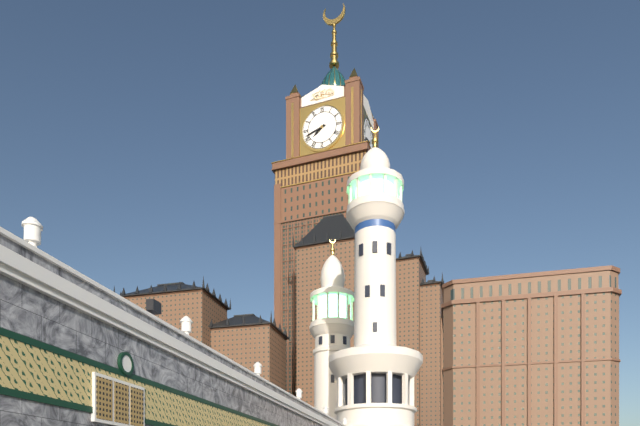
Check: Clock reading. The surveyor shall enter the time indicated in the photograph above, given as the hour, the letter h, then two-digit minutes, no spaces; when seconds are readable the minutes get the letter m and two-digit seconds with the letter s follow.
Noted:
7h42
